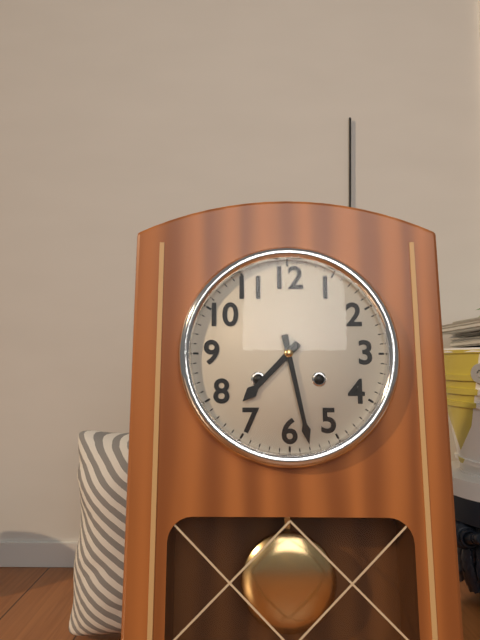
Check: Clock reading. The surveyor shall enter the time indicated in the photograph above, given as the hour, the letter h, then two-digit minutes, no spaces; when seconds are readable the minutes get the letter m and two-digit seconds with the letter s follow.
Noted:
7h28
